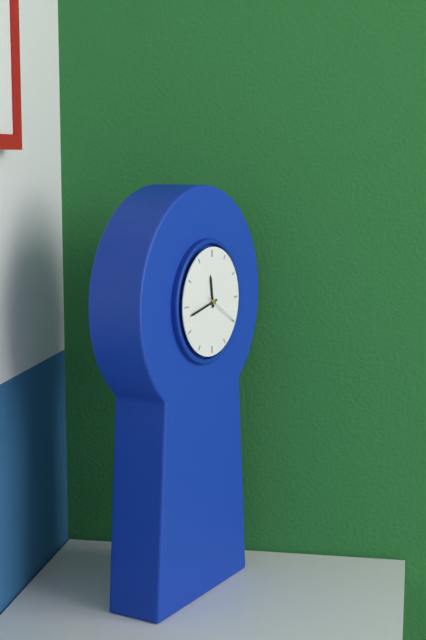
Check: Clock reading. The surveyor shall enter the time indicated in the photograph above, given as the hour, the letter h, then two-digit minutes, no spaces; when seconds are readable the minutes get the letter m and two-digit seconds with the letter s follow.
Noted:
11h43
